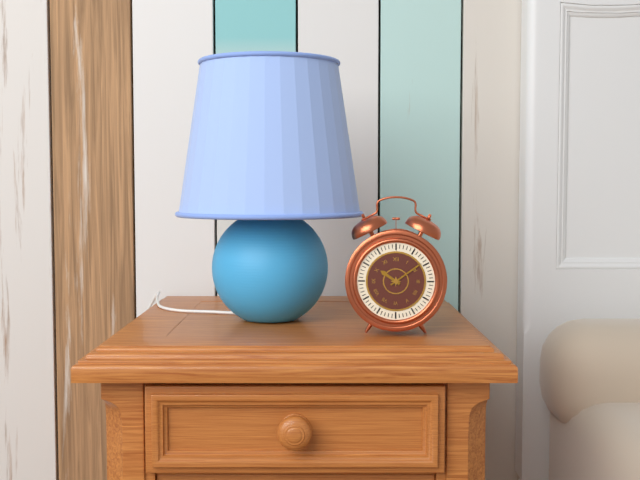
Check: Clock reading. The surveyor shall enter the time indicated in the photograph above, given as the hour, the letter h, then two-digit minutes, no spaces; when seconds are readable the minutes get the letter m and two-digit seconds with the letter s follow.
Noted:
10h09
